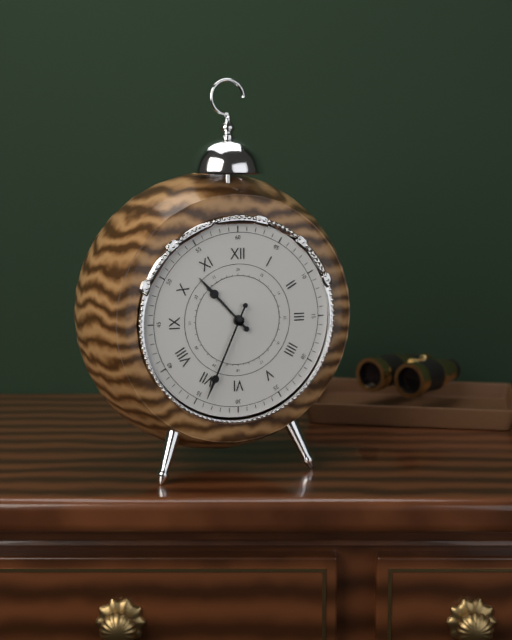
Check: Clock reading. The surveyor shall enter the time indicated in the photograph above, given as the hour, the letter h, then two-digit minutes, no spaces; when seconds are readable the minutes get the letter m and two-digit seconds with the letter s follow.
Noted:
10h34
